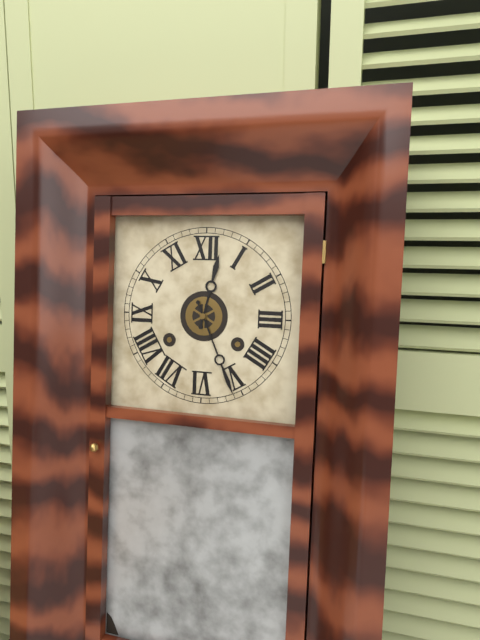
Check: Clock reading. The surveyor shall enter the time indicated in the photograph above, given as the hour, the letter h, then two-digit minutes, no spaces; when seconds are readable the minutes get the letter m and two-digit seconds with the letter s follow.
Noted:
12h26
